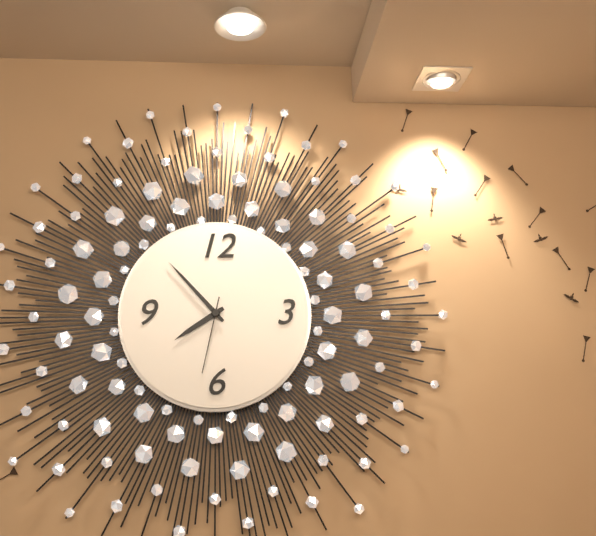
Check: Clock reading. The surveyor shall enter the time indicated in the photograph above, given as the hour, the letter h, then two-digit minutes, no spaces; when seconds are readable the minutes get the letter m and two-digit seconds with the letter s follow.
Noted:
7h53m32s
